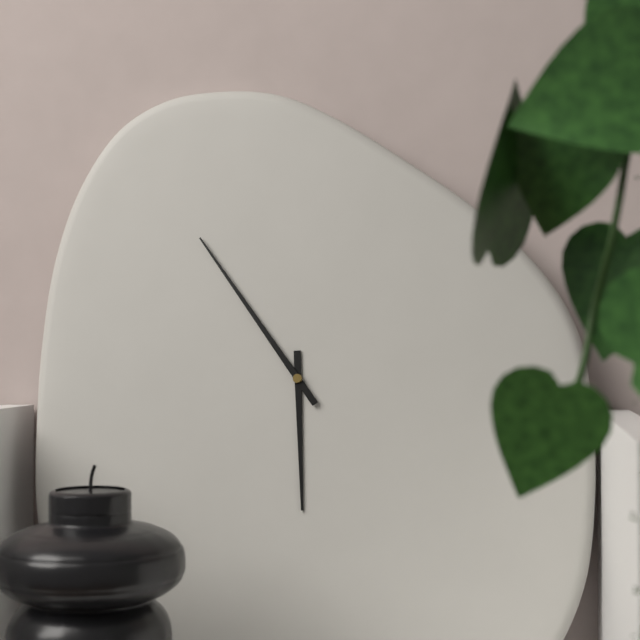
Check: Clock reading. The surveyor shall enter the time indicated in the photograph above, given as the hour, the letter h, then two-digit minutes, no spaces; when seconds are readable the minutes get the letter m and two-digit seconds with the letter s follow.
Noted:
5h54
